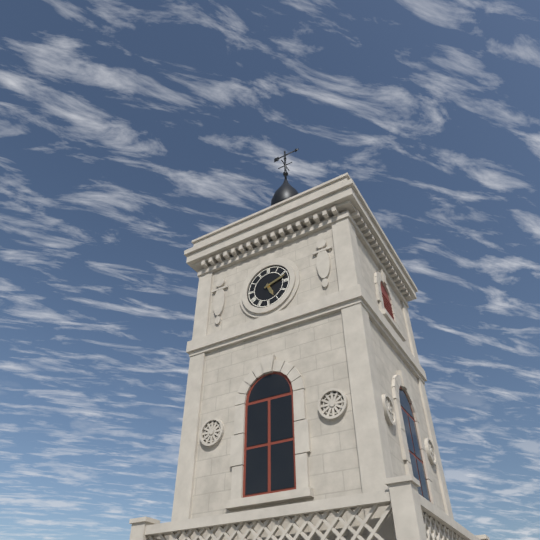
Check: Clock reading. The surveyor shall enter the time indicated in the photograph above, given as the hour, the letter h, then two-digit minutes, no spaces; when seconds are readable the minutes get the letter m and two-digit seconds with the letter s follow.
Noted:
5h12
